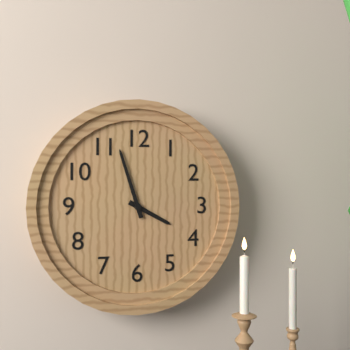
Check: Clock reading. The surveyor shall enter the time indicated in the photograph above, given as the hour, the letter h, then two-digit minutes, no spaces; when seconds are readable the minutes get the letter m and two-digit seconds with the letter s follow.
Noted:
3h57
